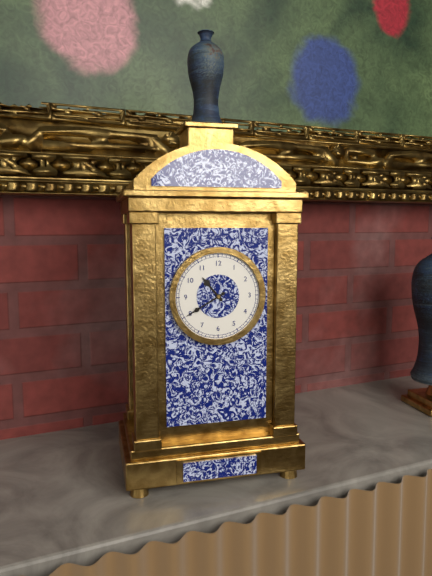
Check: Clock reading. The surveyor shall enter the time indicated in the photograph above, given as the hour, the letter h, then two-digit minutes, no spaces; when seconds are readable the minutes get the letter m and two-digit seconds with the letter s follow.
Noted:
10h40
